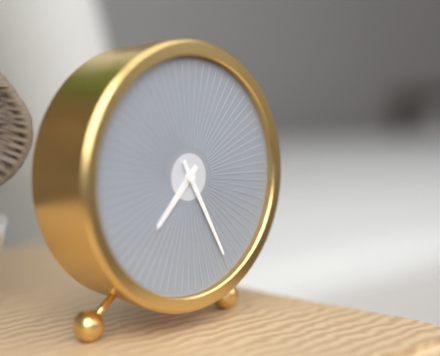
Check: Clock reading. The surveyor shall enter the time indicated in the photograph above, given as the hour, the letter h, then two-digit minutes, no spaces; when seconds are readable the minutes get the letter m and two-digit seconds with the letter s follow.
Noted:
7h25
